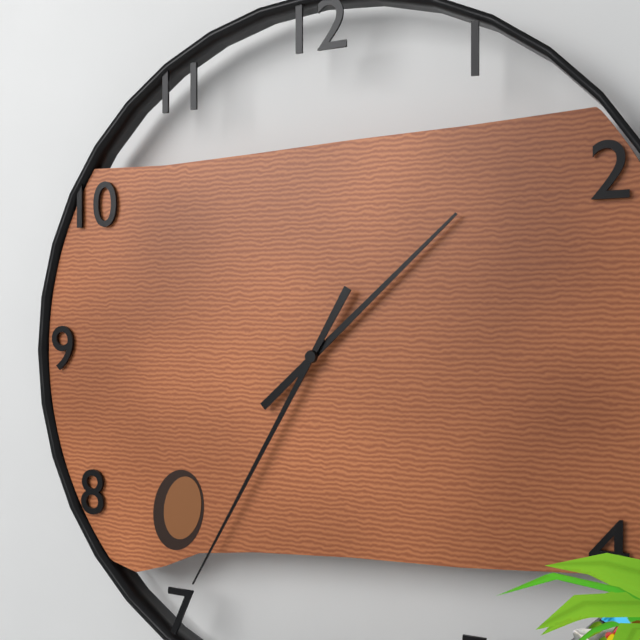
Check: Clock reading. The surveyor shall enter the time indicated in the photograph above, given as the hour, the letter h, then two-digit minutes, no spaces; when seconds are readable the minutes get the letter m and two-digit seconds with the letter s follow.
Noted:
1h35
